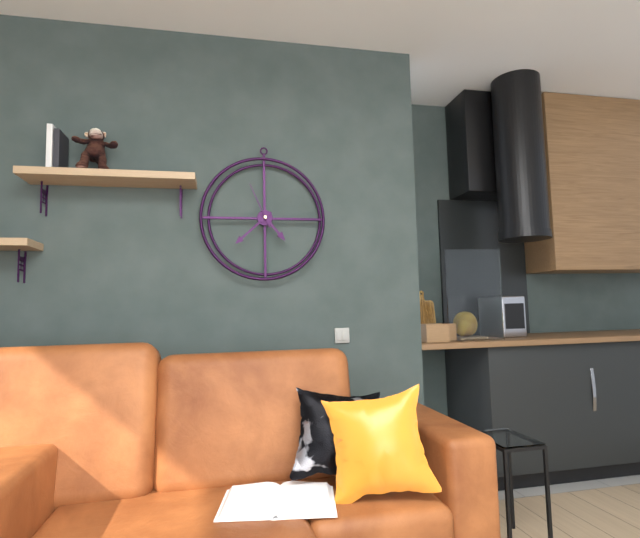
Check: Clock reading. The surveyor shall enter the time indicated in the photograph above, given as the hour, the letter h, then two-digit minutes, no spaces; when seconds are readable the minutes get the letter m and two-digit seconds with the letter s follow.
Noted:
4h38
